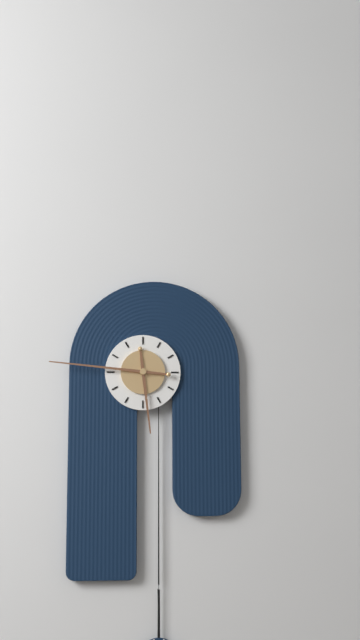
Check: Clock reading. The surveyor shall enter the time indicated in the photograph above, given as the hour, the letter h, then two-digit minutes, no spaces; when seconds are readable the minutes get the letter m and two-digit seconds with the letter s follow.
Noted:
5h46
